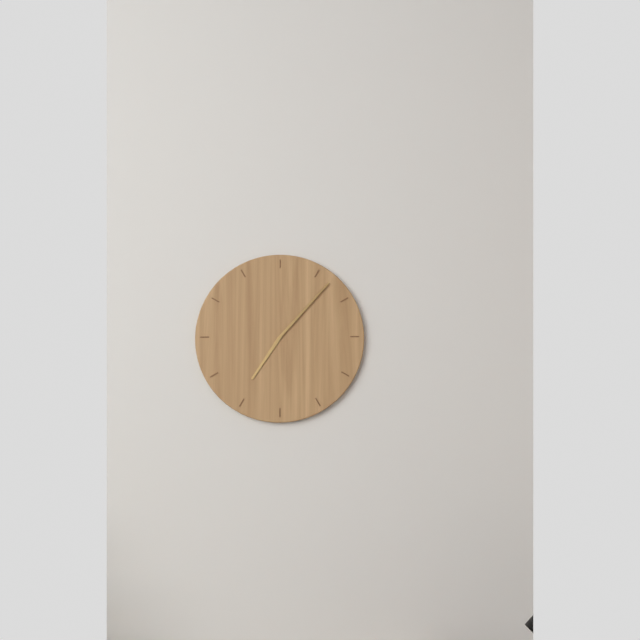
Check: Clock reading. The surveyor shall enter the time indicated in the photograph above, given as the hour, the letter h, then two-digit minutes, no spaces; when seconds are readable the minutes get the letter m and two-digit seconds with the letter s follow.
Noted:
7h07
